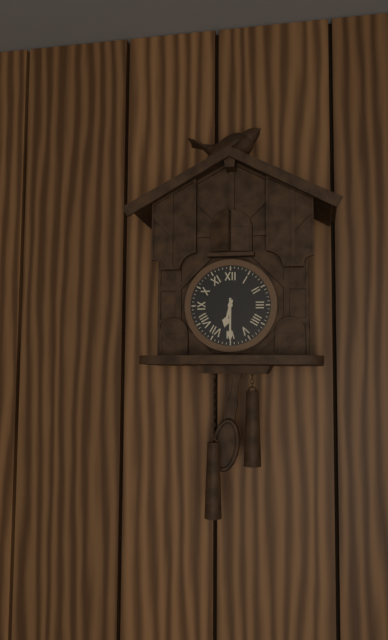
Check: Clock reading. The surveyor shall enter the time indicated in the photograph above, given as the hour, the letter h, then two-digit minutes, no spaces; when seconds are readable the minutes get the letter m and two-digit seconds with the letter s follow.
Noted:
6h30
